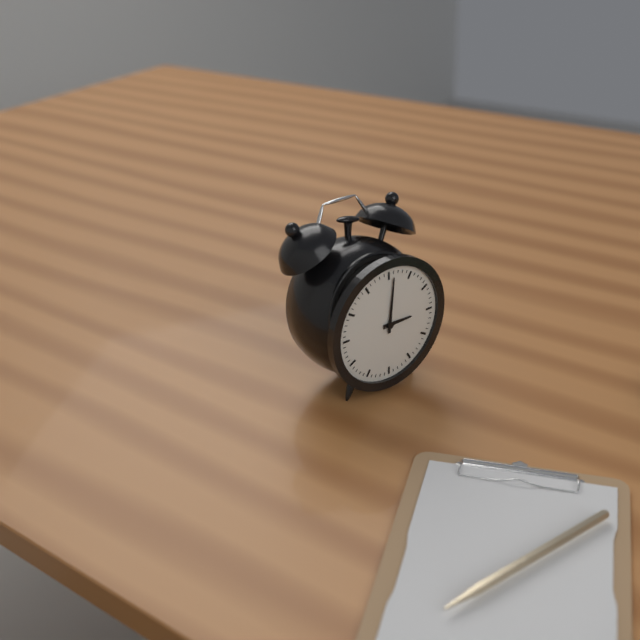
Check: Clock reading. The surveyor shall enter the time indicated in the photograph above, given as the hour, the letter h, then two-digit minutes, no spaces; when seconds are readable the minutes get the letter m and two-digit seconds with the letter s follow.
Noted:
3h01
